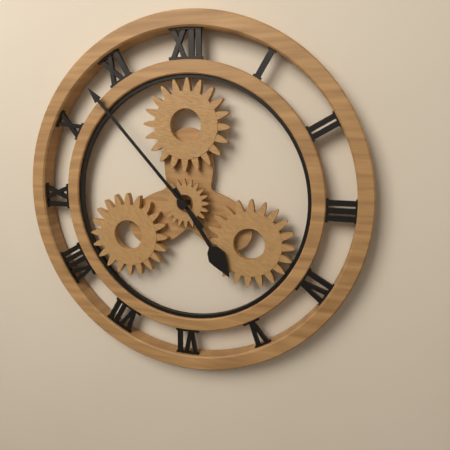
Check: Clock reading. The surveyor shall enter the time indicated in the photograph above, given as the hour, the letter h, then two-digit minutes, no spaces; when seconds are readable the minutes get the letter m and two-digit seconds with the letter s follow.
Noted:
4h53
